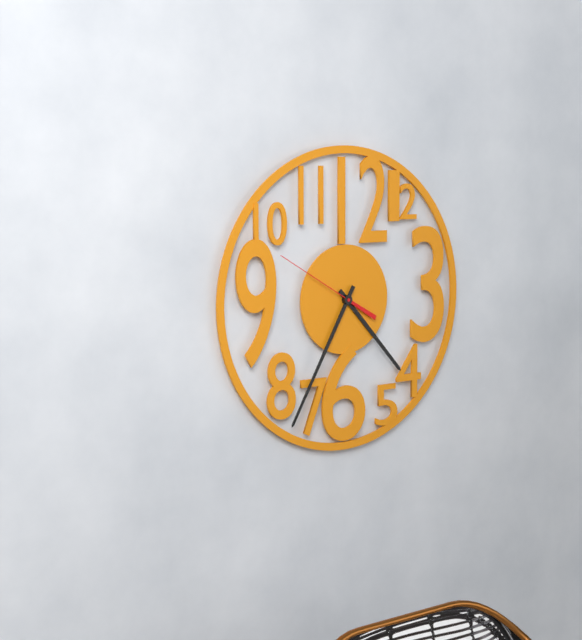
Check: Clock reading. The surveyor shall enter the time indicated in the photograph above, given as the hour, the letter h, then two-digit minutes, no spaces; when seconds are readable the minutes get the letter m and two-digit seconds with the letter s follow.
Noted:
4h35m50s
